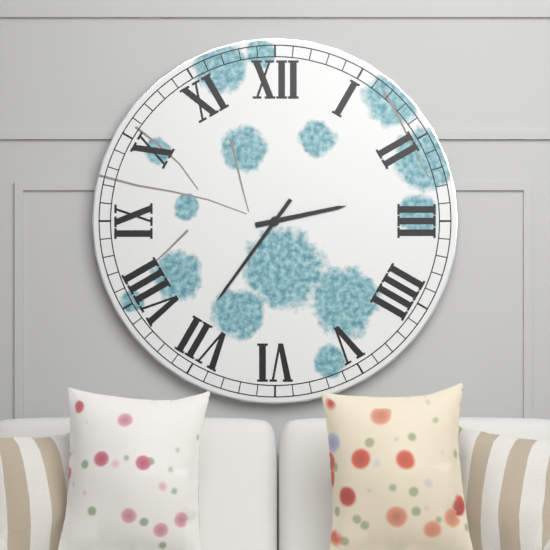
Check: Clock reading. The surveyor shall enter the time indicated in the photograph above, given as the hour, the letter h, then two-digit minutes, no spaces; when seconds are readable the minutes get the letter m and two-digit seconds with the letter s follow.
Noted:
2h36
